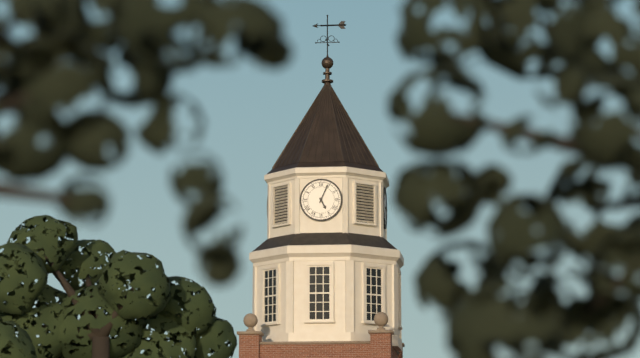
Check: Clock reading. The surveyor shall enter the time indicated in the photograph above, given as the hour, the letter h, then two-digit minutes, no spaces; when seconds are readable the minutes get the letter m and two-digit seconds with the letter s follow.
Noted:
5h04
